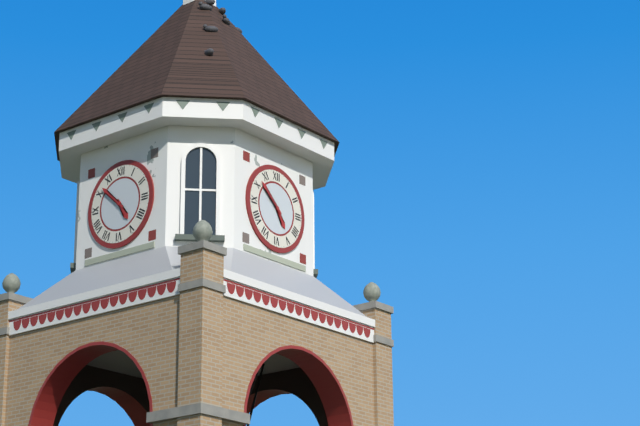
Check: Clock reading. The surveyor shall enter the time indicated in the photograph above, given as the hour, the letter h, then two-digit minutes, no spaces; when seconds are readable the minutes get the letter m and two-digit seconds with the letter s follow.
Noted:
4h52
